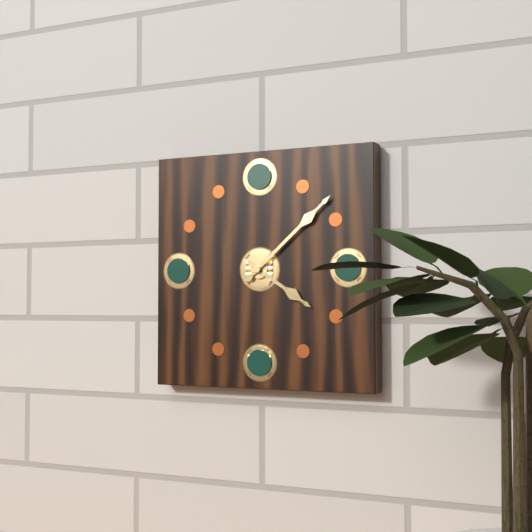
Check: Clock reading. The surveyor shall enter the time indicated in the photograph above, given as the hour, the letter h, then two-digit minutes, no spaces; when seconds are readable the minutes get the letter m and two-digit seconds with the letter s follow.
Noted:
4h08
